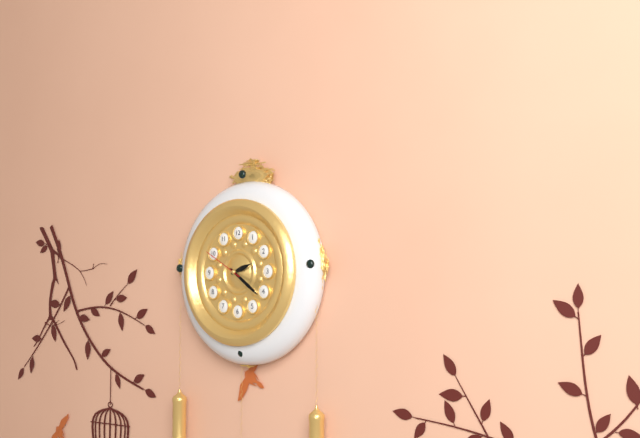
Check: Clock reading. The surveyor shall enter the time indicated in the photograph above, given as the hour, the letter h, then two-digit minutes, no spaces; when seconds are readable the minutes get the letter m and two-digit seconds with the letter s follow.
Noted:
2h21
